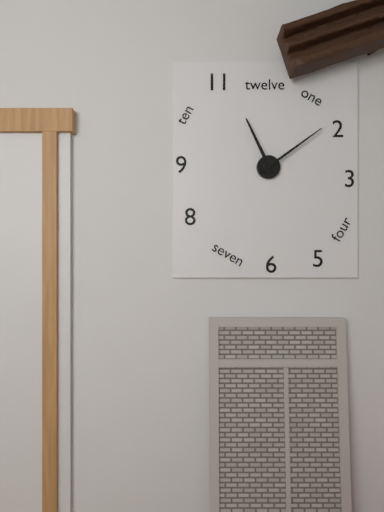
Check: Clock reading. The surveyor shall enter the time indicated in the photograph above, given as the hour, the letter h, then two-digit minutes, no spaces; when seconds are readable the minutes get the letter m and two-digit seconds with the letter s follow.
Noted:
11h09
